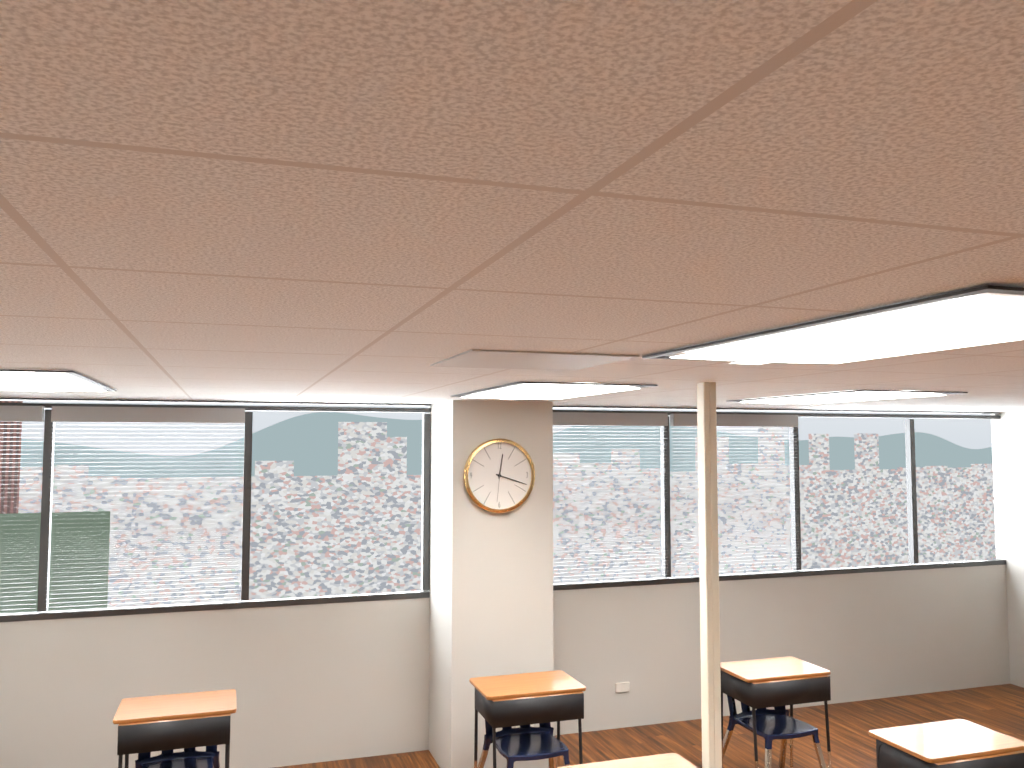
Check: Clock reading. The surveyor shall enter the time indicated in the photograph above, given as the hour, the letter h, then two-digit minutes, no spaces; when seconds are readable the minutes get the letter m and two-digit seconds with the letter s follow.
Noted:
12h18
